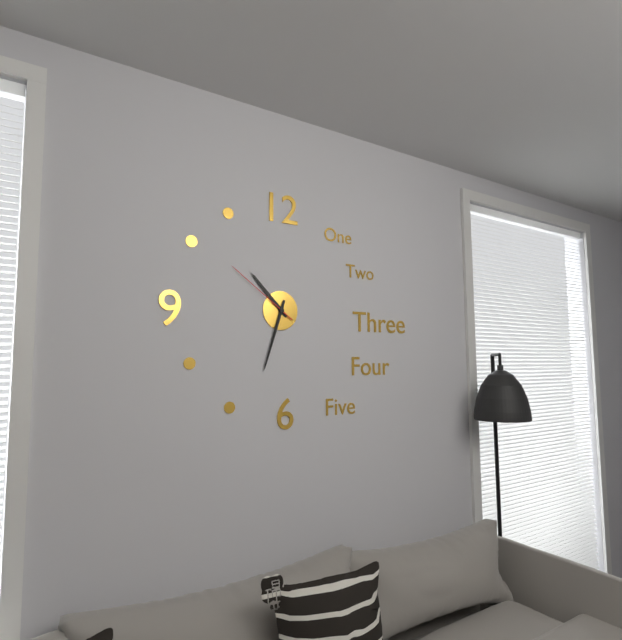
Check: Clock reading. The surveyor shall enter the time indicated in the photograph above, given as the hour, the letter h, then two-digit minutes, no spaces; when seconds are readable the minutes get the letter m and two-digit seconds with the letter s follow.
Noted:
10h33m51s
